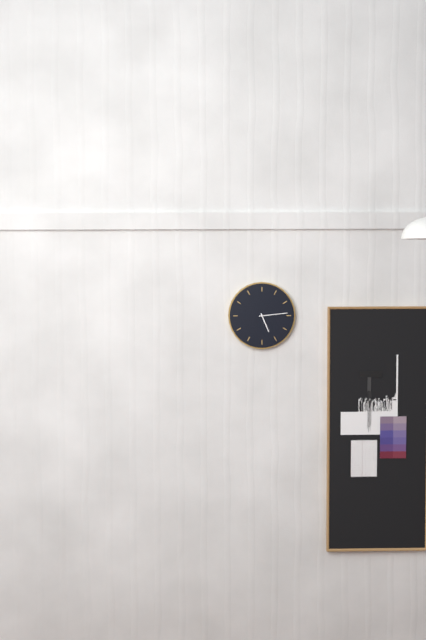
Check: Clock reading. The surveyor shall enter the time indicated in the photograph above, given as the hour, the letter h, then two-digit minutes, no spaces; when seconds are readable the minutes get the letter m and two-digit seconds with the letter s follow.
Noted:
5h14
